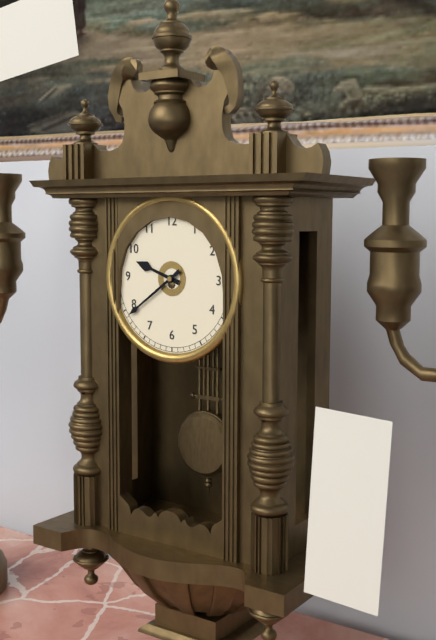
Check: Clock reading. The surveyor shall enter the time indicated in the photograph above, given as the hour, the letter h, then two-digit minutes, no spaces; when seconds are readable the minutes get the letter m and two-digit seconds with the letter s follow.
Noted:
9h39
